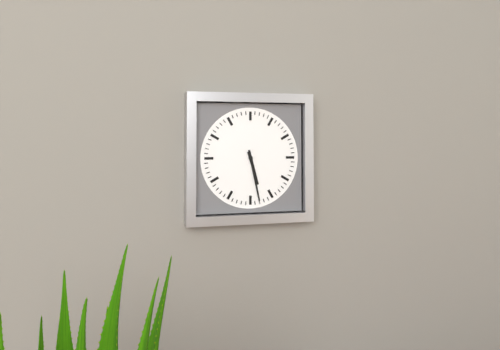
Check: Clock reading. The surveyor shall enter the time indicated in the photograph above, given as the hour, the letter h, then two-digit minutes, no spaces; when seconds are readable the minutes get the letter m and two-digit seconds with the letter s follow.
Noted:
5h28
